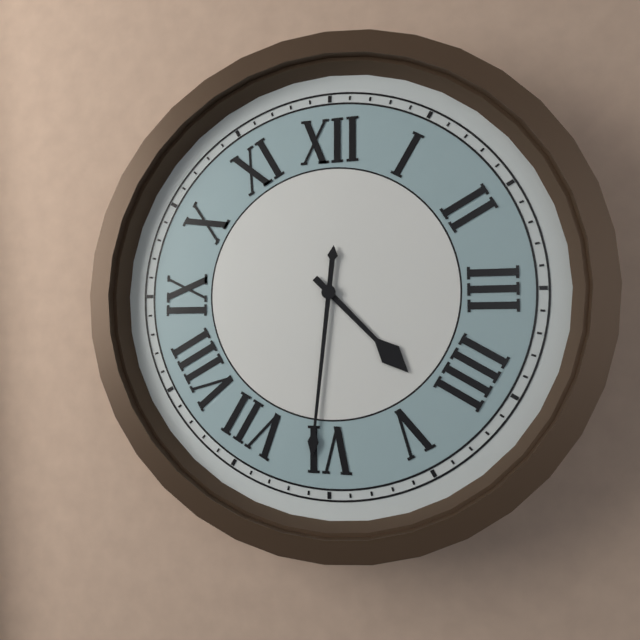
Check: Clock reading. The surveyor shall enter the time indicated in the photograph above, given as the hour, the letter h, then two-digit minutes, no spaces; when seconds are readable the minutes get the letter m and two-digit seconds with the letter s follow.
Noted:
4h31
